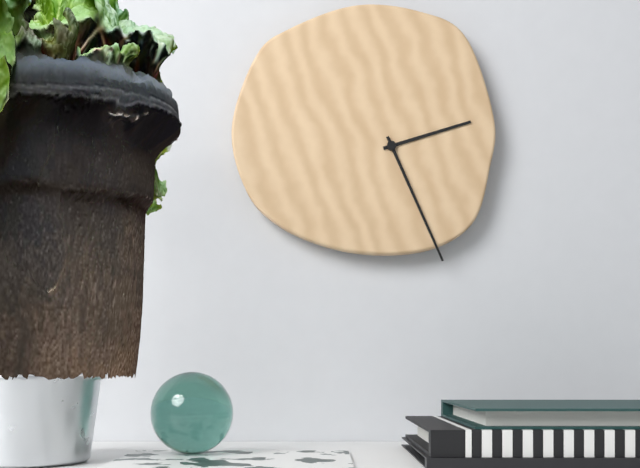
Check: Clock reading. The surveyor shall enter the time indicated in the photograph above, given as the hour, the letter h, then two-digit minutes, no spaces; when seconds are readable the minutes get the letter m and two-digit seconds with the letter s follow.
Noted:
2h26
